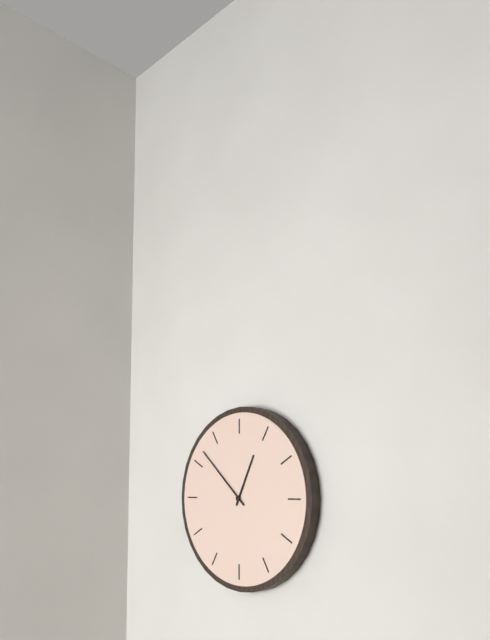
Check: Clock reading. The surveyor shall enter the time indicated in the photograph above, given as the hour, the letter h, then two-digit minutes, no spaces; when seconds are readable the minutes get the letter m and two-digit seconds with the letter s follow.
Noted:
12h52
